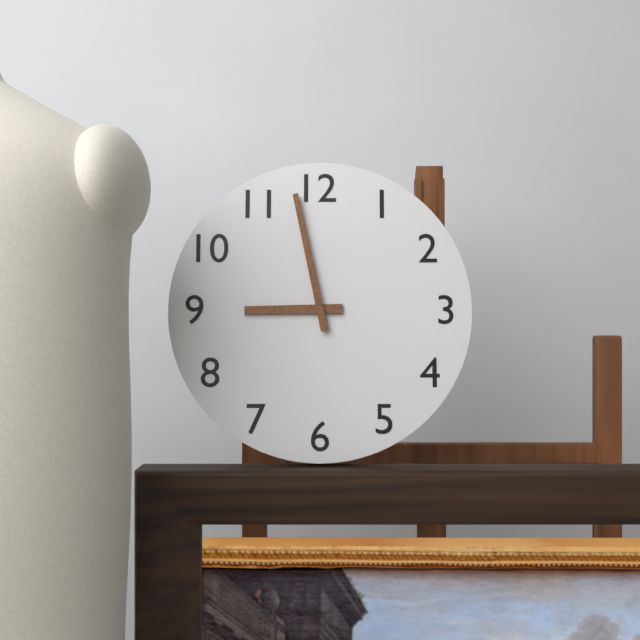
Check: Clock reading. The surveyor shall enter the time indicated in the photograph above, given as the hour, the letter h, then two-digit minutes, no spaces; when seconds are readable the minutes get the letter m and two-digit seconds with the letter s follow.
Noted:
8h58
